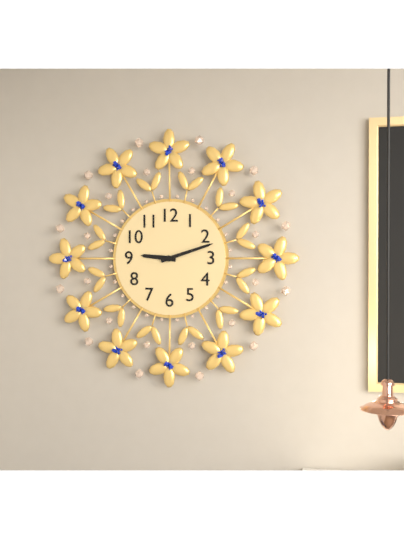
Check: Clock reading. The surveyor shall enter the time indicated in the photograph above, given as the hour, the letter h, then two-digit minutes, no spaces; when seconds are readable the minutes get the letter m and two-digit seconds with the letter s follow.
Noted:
9h12
